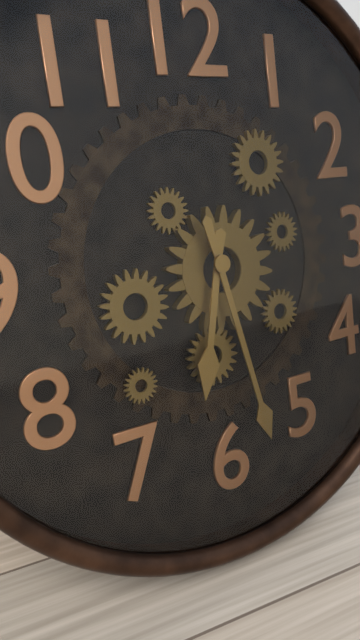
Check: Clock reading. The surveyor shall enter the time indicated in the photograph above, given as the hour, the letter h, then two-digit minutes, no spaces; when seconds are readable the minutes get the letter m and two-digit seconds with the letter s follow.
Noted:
6h28
